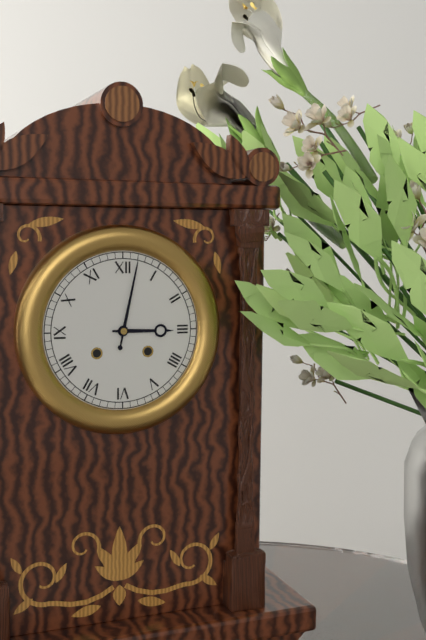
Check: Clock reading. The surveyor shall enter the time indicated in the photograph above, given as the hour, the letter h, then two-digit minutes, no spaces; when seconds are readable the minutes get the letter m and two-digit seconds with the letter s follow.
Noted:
3h02
